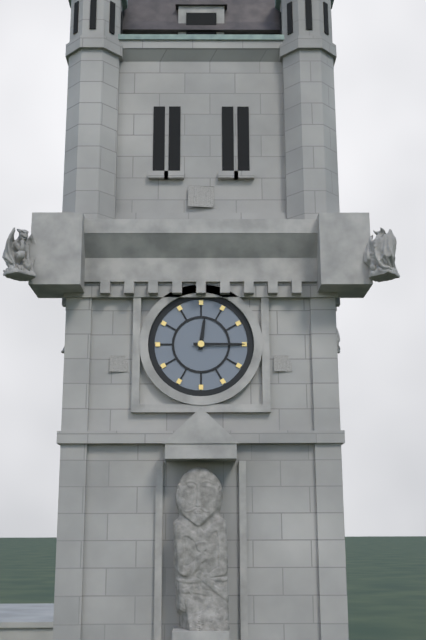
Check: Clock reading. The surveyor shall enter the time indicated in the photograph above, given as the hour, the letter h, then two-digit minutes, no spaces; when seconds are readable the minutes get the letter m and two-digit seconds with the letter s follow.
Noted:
12h15
